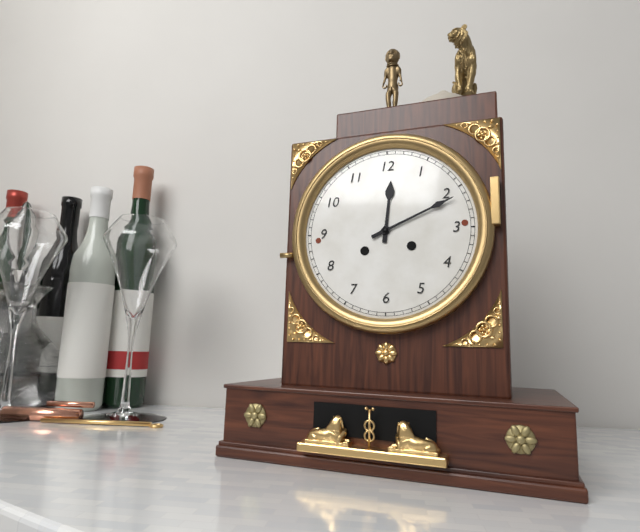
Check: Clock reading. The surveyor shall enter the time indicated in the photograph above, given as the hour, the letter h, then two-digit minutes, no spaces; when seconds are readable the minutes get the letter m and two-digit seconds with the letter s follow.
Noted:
12h11
